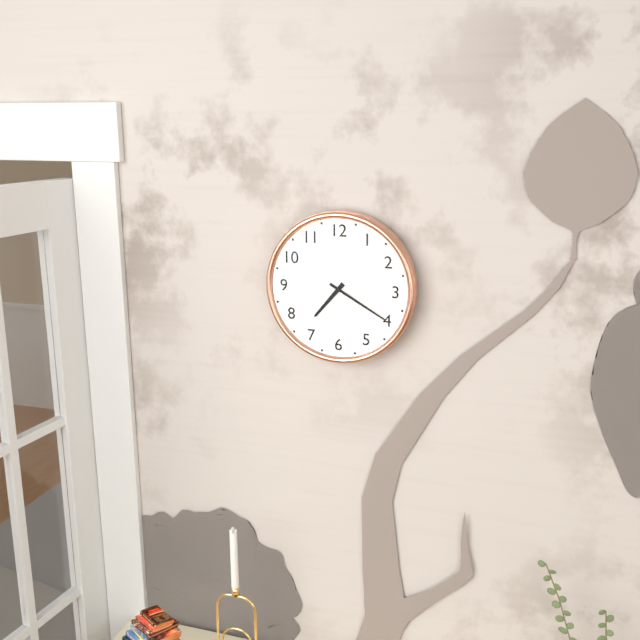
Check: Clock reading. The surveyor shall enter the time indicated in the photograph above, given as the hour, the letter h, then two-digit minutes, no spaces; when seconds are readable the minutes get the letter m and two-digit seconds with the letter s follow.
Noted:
7h20
